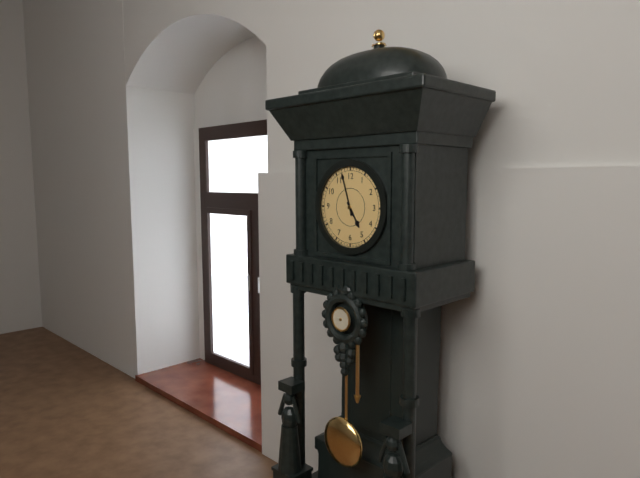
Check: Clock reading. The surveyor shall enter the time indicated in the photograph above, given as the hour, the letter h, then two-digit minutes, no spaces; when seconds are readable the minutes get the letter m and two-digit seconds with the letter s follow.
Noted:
4h57
